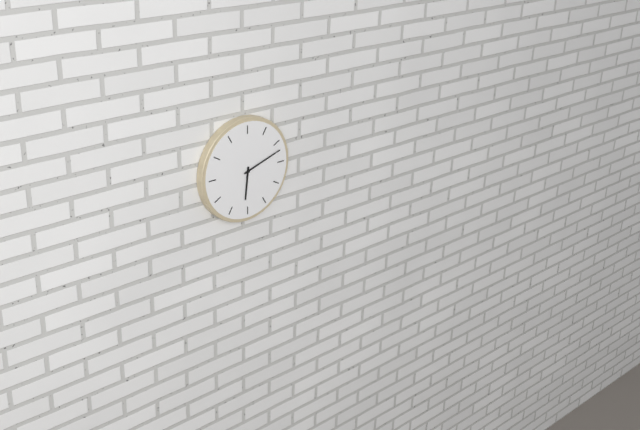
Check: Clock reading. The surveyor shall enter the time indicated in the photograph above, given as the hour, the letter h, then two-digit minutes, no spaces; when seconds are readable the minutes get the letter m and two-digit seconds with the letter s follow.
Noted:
6h12
